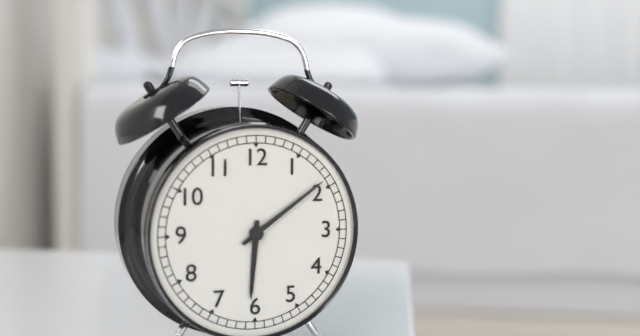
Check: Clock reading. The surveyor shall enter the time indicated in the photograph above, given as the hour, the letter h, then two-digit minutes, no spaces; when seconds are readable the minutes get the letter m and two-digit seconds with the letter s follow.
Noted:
6h09
